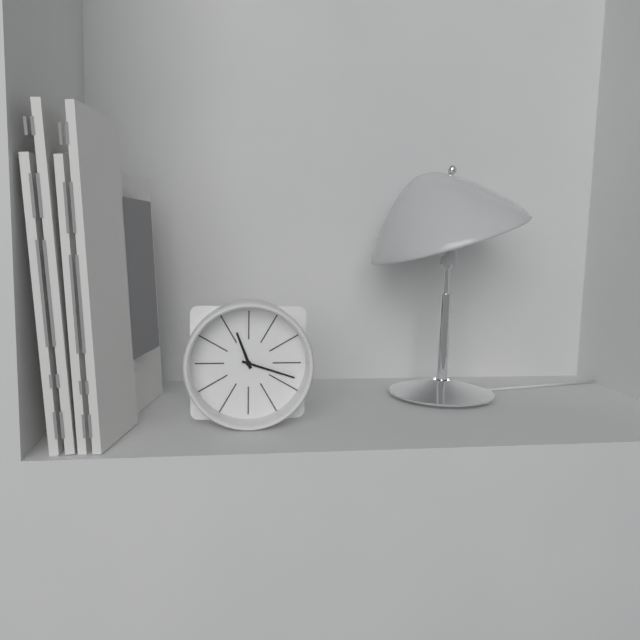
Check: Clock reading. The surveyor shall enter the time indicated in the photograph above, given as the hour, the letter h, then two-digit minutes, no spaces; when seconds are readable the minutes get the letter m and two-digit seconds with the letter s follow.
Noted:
11h18
